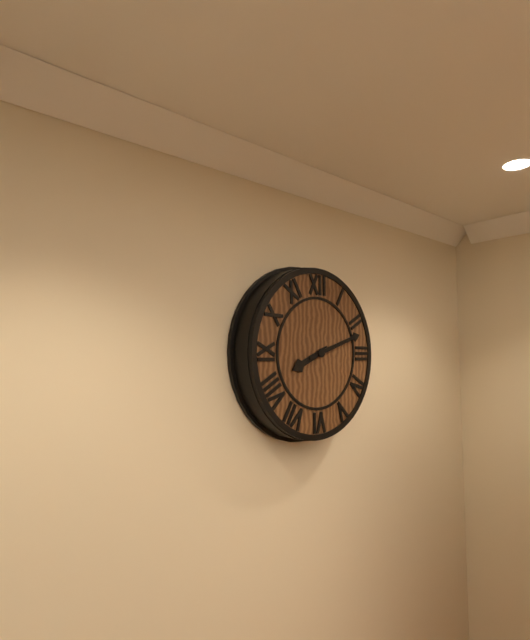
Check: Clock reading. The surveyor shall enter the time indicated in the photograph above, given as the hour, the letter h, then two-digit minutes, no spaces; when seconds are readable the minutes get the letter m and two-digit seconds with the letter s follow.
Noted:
8h12
